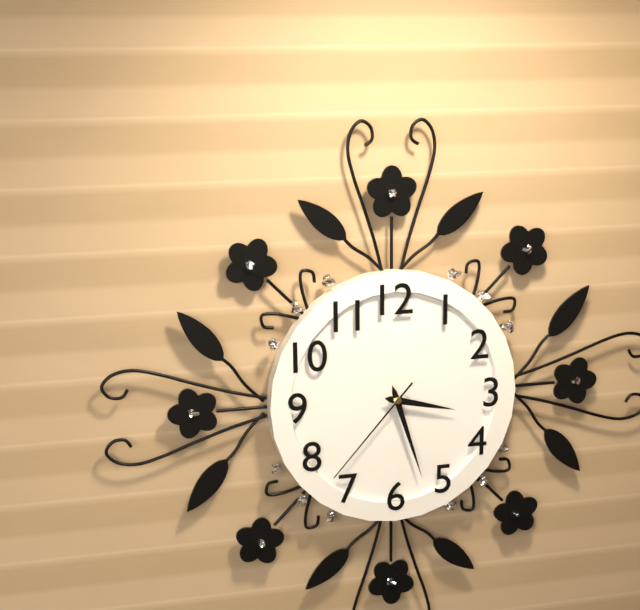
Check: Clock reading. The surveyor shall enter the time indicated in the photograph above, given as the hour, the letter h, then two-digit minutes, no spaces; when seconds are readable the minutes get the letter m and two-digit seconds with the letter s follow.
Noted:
3h27m37s
